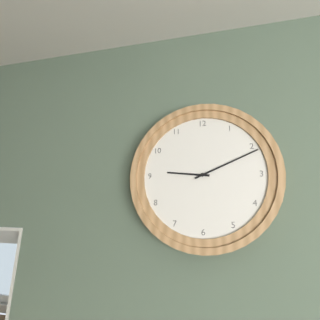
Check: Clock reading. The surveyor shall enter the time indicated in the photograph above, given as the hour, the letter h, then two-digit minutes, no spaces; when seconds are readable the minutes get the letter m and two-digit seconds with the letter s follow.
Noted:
9h11
